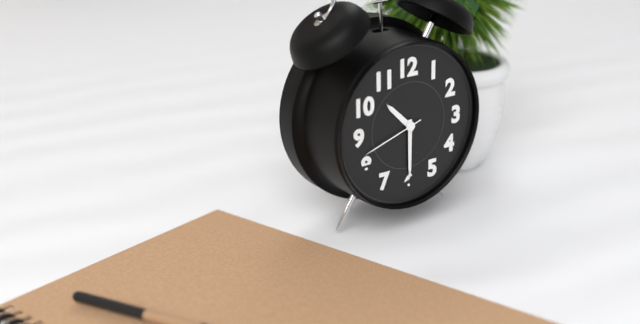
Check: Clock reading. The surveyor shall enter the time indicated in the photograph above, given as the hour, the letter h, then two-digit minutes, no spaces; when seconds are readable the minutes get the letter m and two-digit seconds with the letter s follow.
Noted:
10h30m42s
